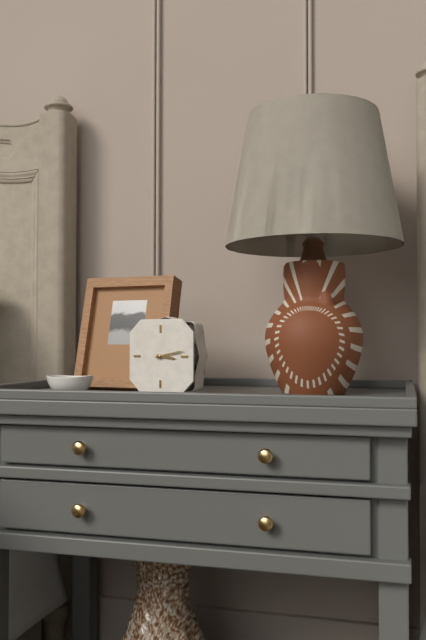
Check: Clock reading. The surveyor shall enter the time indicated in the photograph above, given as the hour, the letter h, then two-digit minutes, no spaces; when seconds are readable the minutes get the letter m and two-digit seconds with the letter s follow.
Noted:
3h13
